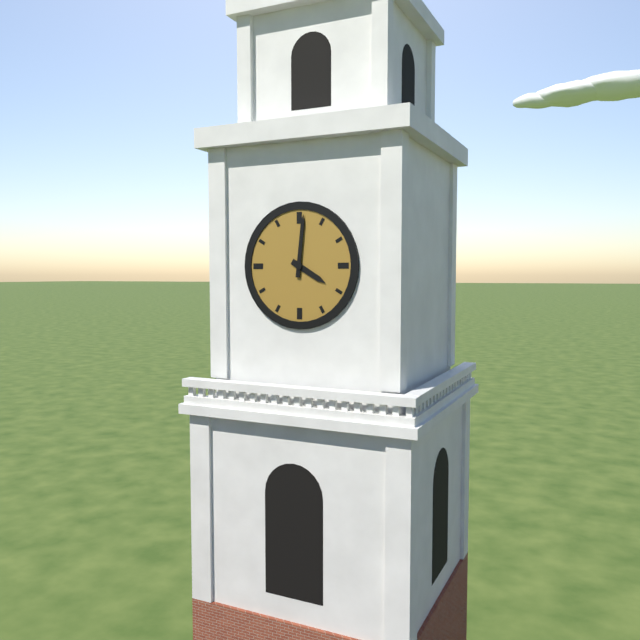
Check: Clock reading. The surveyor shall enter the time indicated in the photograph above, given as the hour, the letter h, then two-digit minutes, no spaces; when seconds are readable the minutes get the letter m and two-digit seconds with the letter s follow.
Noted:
4h01
